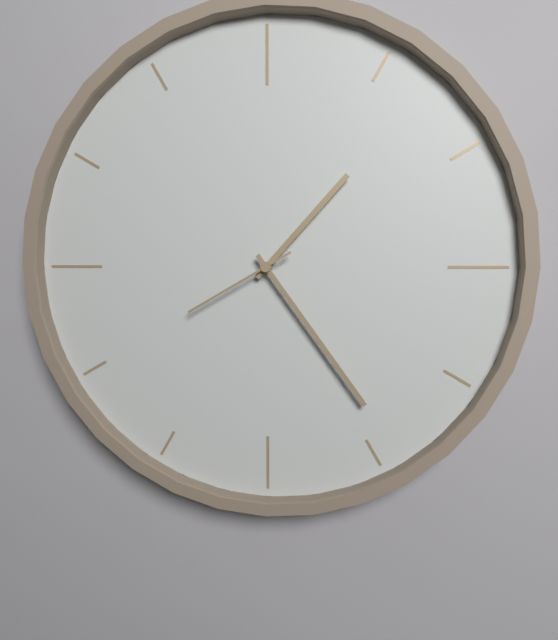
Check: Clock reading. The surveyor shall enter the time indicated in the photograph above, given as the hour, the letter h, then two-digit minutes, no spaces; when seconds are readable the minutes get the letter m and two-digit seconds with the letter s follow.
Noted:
1h24m40s
